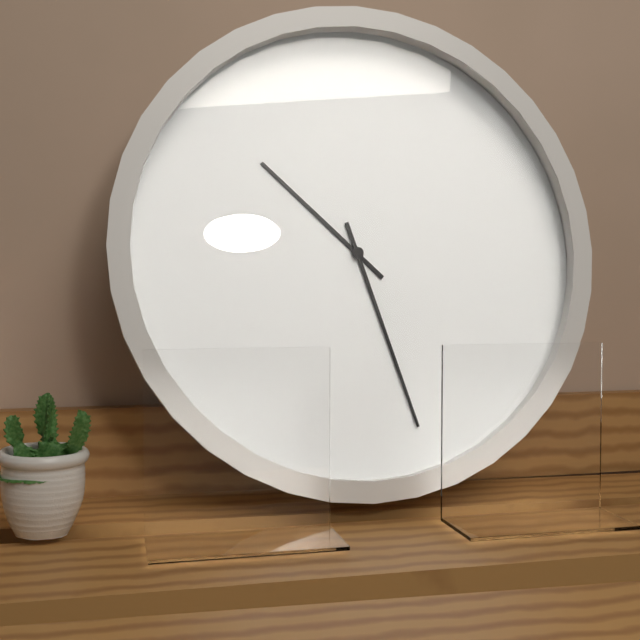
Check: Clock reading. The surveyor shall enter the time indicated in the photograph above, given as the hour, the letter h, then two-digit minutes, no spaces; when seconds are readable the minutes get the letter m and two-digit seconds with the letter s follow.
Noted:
10h27
